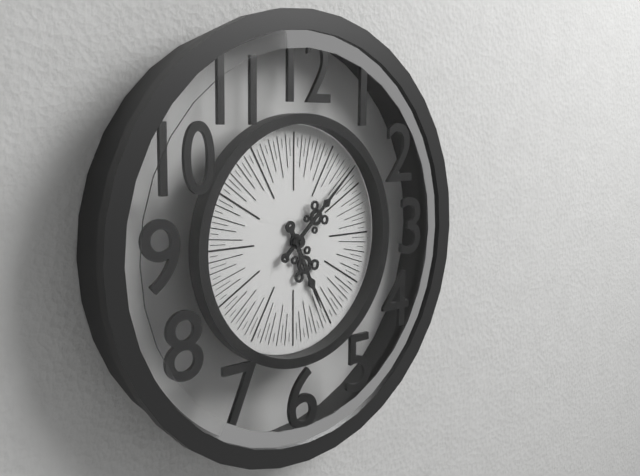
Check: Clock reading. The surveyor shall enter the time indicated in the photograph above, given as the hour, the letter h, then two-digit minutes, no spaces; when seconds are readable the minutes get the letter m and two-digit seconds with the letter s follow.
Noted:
5h08
